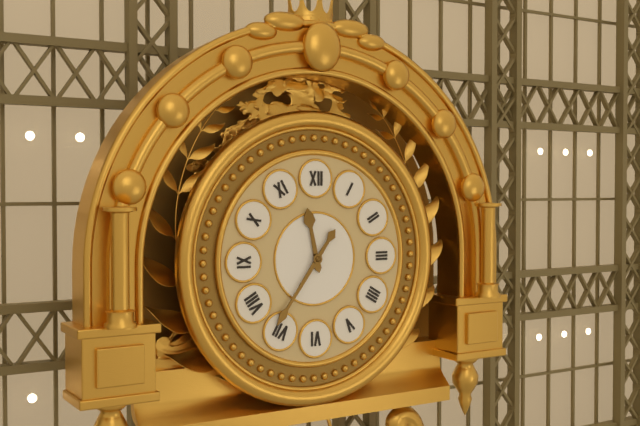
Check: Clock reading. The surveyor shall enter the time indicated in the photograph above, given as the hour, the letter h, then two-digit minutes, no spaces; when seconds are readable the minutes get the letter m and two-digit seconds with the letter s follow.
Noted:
11h36
